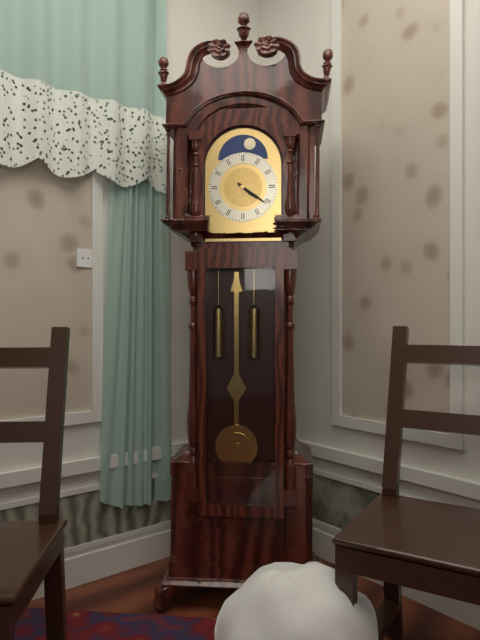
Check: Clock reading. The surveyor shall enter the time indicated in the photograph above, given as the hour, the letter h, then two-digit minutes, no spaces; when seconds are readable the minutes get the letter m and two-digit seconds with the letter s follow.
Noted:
4h21
